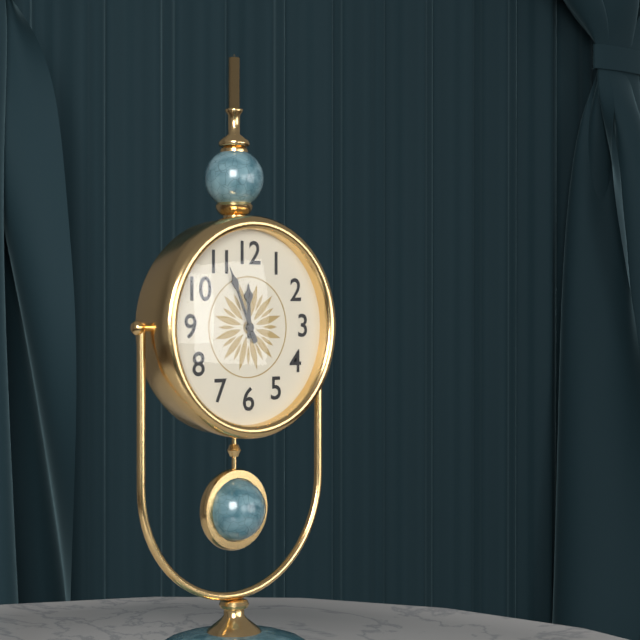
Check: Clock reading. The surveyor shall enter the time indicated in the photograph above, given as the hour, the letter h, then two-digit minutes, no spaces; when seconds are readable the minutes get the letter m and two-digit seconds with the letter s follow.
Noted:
11h56
